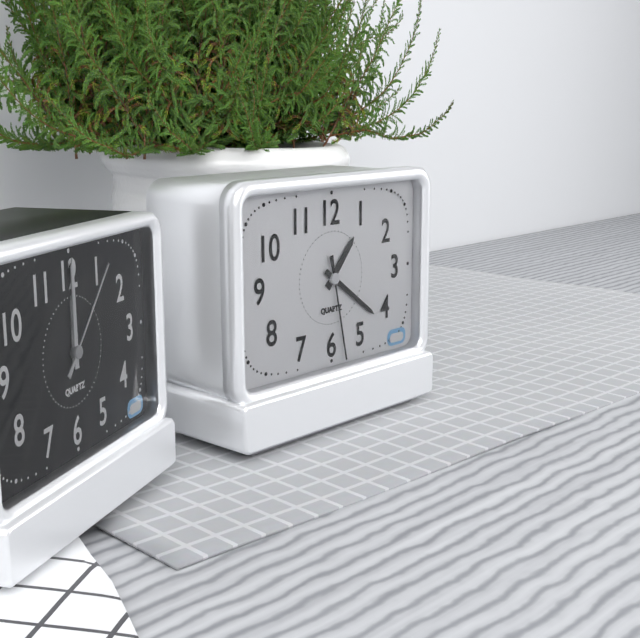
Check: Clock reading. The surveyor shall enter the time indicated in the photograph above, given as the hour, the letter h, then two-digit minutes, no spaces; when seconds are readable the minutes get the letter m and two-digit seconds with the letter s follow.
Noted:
1h21m28s
